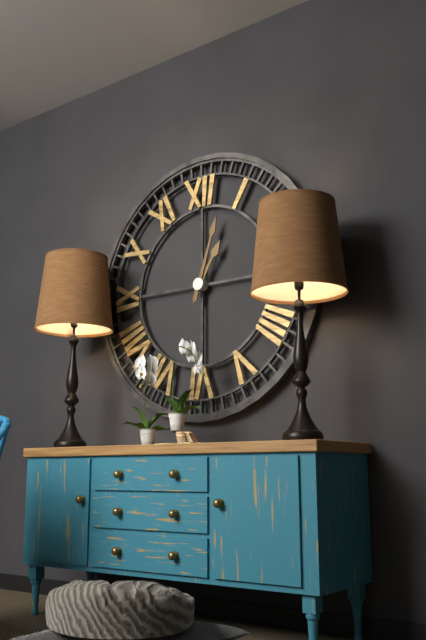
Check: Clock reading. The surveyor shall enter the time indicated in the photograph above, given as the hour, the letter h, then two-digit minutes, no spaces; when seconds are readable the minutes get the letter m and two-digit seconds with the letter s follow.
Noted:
1h03
